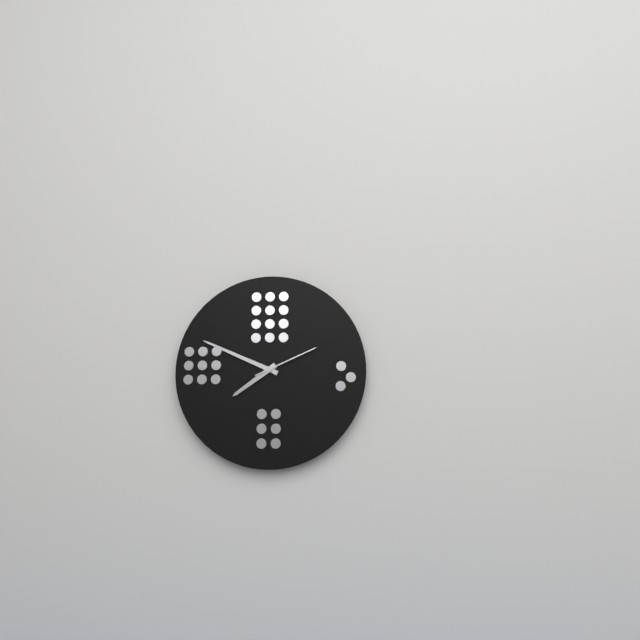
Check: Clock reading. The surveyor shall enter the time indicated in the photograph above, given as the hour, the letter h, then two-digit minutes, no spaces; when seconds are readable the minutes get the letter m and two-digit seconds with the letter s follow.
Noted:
7h49m11s
